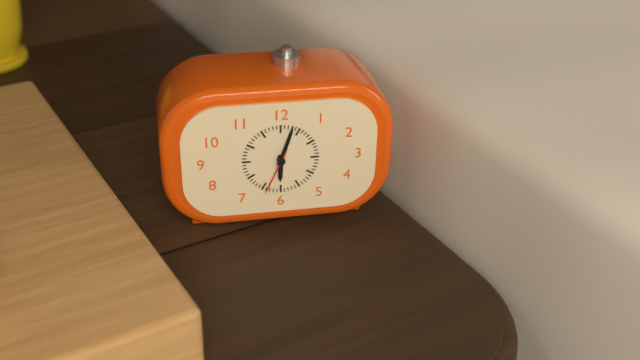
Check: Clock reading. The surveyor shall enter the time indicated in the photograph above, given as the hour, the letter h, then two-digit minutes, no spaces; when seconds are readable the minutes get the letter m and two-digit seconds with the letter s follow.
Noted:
6h03
